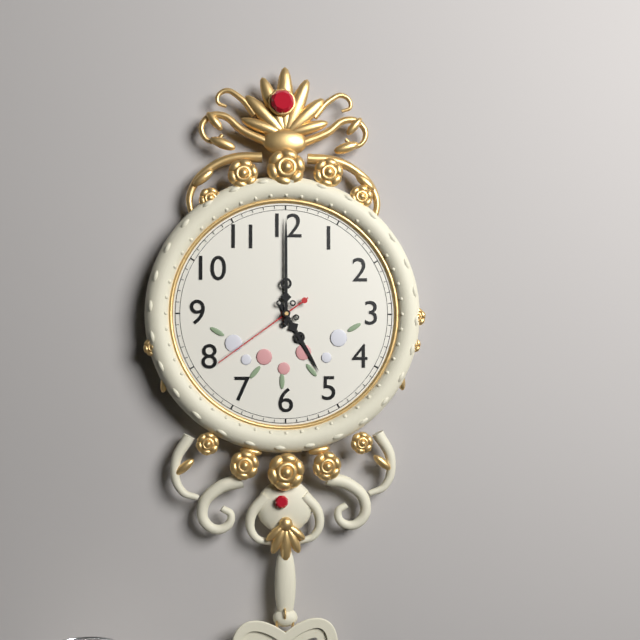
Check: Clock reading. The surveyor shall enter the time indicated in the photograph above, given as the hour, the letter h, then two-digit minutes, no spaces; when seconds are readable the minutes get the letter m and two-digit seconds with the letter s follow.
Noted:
5h00m39s
